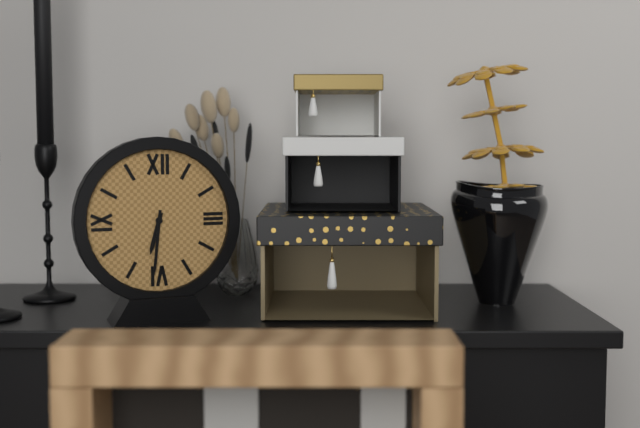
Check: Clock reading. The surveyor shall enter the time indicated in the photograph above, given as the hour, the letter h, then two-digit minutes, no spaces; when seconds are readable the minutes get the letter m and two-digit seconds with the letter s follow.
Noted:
6h31
